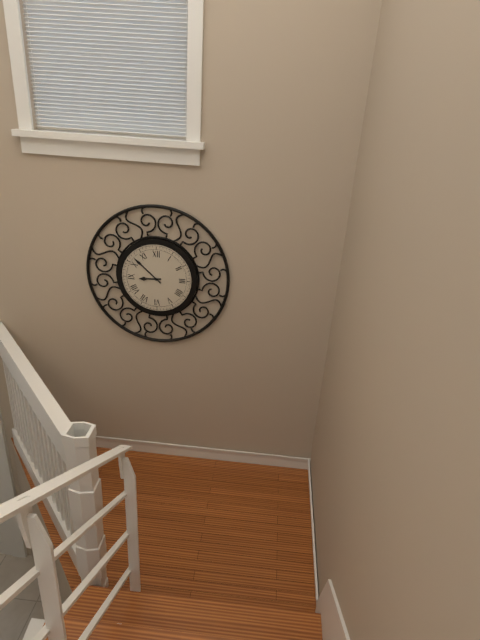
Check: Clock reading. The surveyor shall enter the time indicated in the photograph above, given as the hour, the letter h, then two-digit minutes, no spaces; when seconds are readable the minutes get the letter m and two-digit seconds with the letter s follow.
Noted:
8h52
